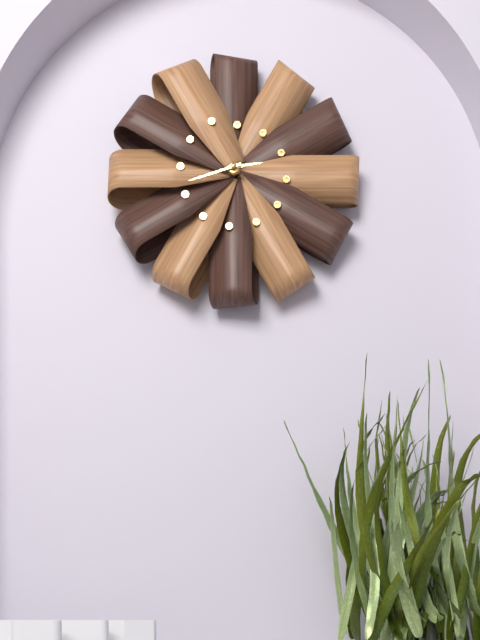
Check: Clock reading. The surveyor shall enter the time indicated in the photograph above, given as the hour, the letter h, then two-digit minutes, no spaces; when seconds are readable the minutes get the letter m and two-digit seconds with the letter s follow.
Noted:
2h42
